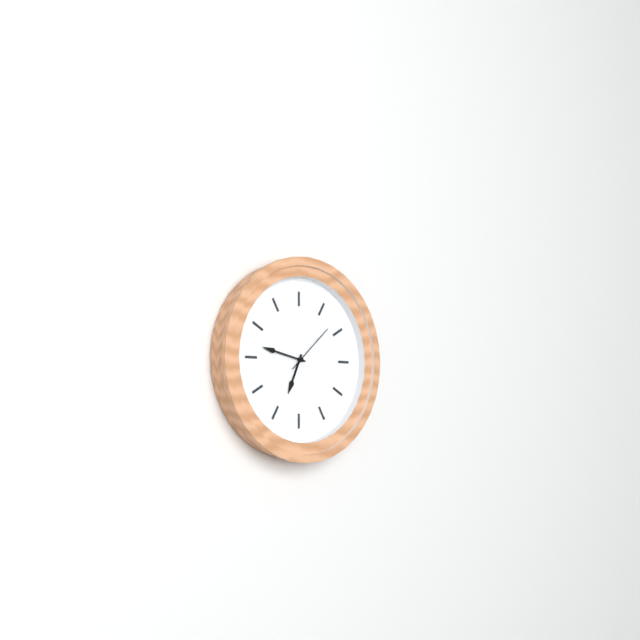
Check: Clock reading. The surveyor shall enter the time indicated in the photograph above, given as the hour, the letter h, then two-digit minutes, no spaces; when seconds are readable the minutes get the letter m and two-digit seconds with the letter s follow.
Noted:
6h47m08s
